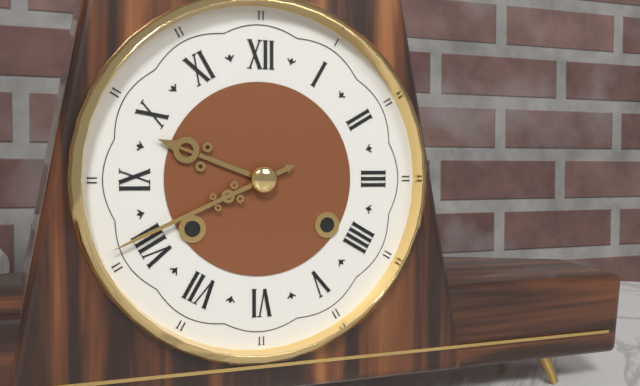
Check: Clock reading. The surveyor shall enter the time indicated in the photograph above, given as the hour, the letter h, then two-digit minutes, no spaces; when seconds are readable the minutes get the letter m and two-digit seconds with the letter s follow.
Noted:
9h41
